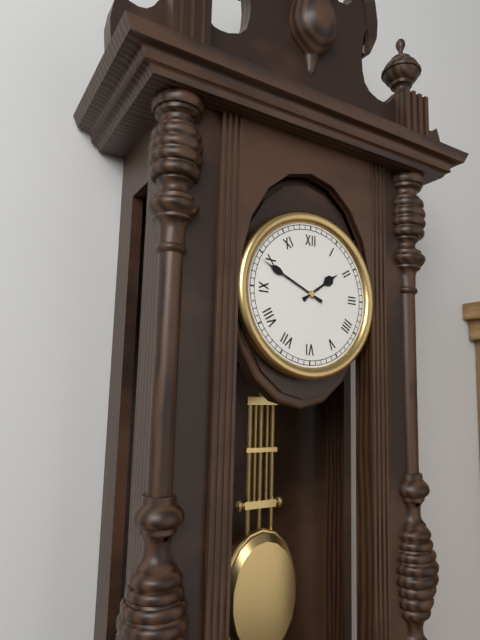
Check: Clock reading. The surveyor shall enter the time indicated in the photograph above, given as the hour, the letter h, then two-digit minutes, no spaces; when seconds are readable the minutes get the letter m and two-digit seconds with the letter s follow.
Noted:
1h49
